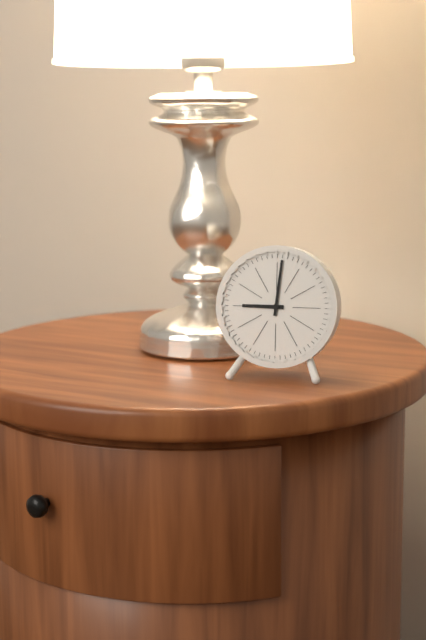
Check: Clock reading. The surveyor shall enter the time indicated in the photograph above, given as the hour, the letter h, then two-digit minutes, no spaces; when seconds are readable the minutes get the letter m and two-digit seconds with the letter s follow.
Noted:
9h01
